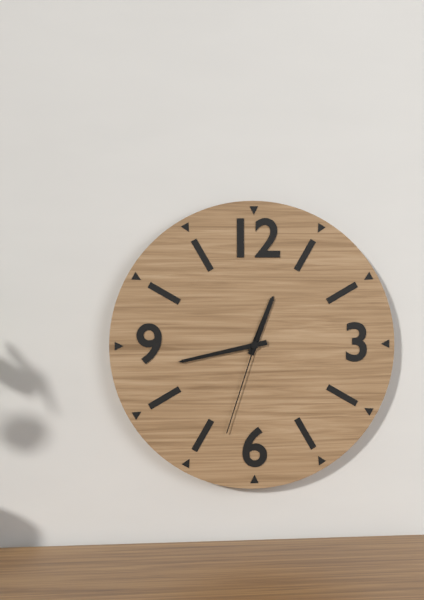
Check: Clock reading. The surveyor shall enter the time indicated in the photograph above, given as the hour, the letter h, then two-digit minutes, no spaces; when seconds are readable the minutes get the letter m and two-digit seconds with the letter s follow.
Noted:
12h43m33s
